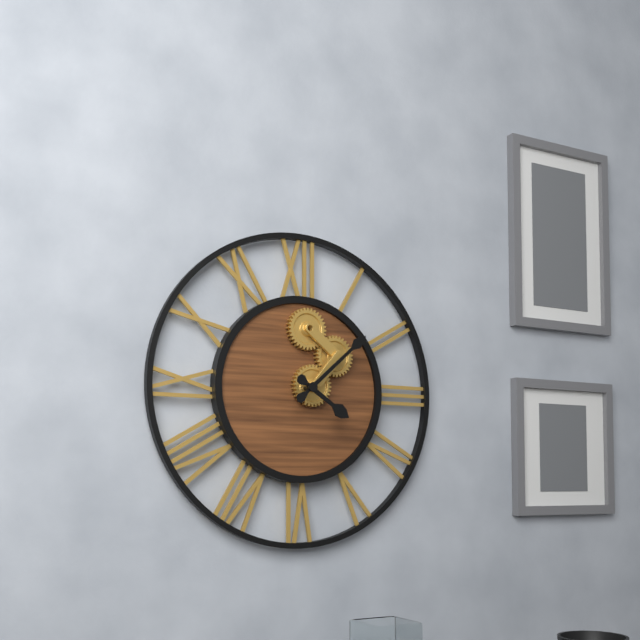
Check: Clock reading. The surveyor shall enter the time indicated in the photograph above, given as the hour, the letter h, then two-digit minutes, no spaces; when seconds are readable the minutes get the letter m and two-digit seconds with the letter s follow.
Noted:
4h08
